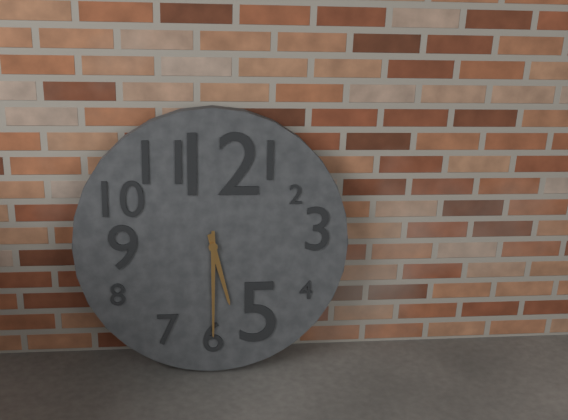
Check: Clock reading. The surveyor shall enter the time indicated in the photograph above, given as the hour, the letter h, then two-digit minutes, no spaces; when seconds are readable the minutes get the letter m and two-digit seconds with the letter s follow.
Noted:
5h30
